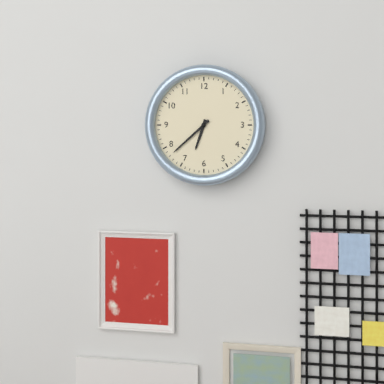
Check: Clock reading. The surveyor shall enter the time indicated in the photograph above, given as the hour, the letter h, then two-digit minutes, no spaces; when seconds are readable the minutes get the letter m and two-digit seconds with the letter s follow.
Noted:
6h38
